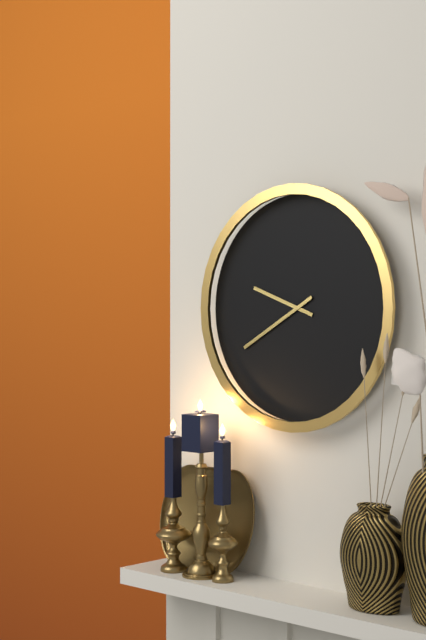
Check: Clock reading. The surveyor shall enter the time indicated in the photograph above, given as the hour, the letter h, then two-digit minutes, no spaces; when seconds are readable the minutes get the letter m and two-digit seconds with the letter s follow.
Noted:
9h40
